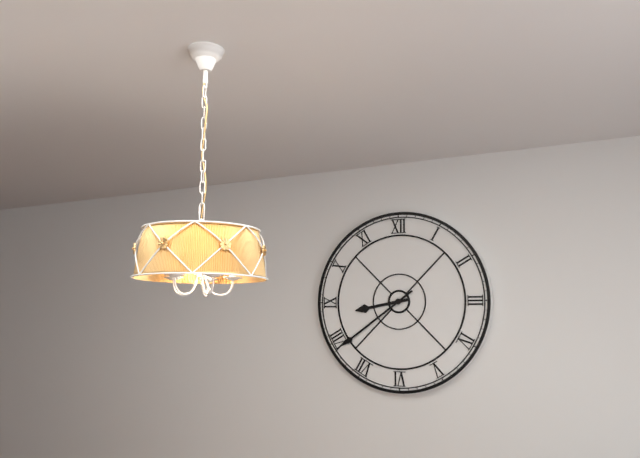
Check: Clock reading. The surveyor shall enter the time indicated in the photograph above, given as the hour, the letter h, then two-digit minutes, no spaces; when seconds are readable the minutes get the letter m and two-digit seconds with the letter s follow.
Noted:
8h39
